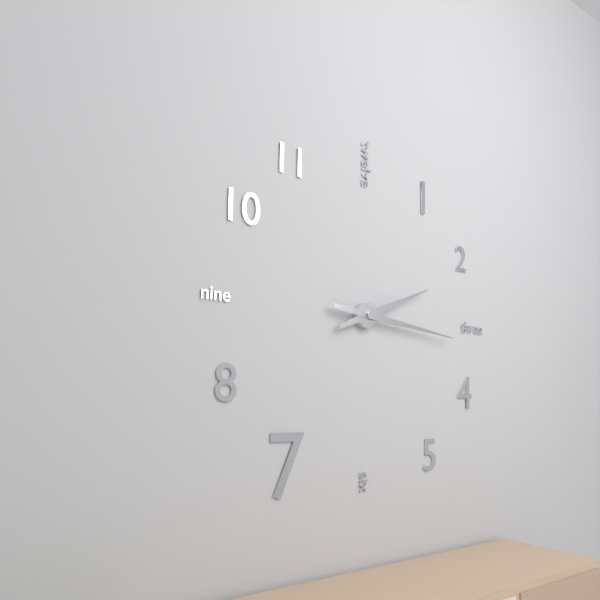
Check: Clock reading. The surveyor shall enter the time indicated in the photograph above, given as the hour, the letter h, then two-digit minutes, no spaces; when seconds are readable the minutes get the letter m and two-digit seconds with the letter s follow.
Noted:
2h16
